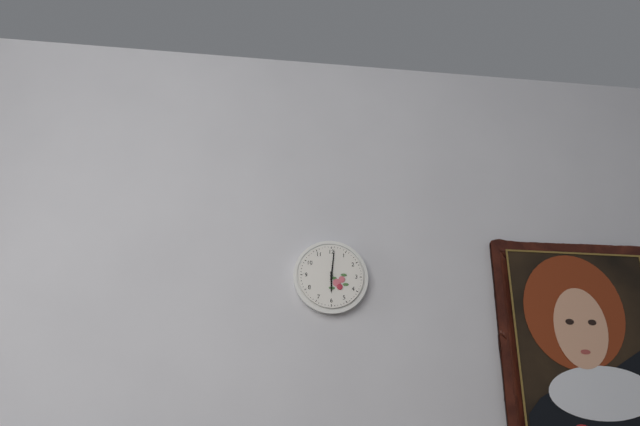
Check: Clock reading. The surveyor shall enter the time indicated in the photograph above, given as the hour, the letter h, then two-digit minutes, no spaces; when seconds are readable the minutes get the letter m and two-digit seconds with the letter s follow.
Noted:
6h01
